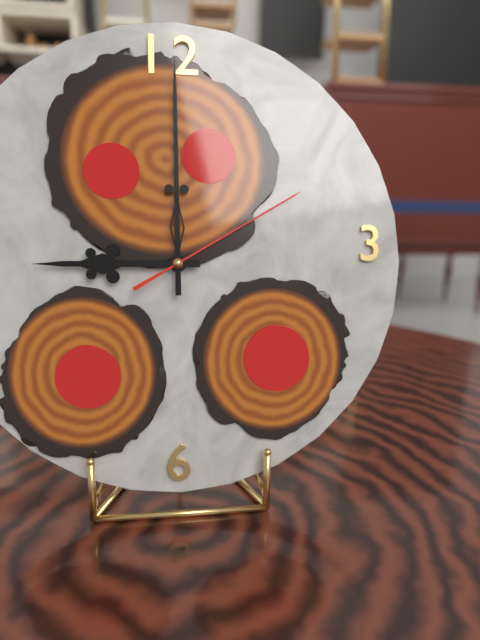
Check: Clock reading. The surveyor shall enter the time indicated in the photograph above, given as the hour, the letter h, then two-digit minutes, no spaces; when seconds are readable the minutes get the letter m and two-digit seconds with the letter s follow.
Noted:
9h00m10s
